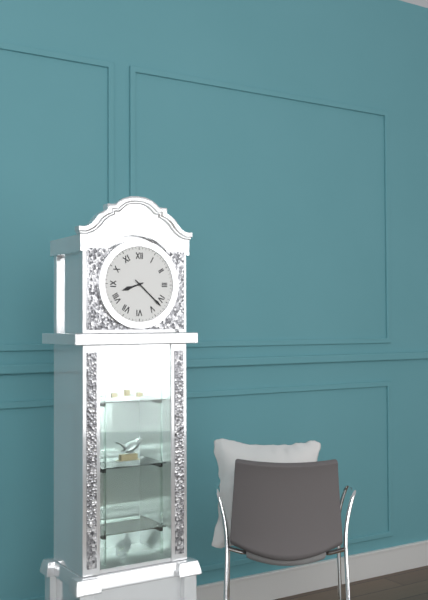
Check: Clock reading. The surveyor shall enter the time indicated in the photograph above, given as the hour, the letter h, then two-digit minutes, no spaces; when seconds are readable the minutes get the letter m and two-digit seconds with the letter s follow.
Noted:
8h22
